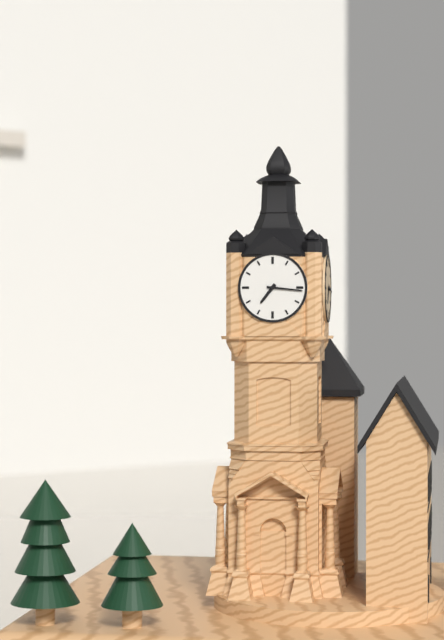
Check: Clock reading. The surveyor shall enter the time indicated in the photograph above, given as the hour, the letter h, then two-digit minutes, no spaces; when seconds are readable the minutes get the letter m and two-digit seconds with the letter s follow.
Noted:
7h16
